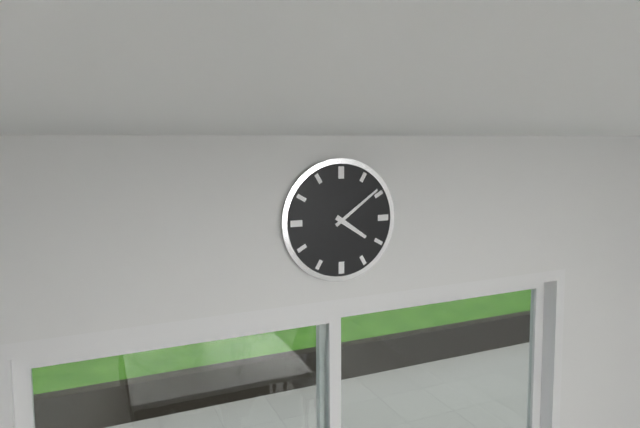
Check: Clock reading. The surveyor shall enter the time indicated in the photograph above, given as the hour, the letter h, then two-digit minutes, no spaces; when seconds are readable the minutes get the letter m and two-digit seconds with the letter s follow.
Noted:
4h09
